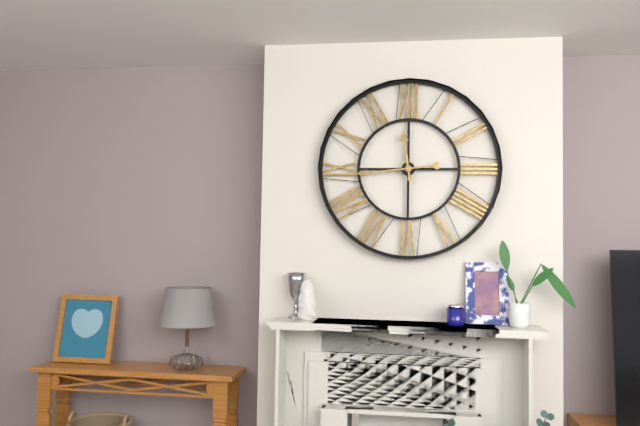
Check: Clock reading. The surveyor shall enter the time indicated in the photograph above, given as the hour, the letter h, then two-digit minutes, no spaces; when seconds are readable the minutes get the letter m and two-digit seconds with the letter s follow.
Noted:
11h44
